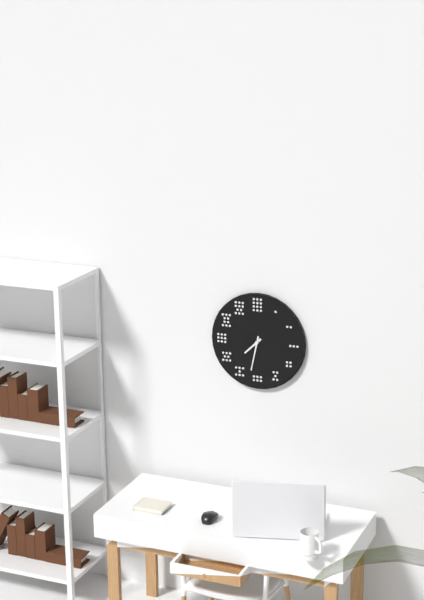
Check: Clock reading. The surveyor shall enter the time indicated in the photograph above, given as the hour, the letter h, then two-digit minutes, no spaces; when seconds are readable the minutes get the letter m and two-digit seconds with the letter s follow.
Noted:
7h32
